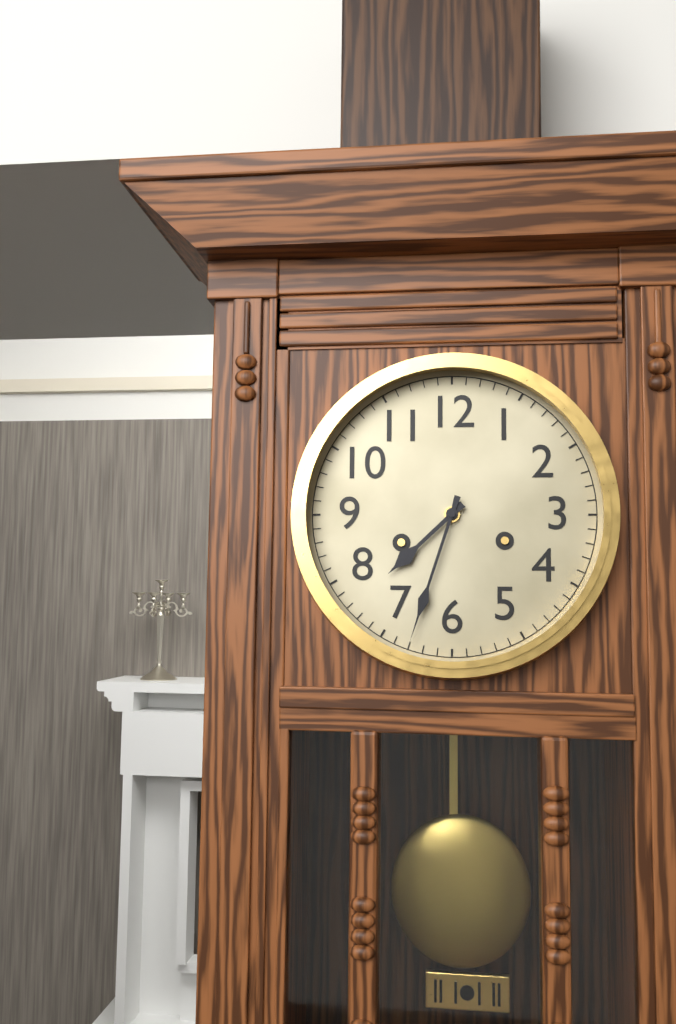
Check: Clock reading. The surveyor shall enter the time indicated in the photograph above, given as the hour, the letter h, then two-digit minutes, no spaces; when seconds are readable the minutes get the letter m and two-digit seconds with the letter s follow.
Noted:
7h33
